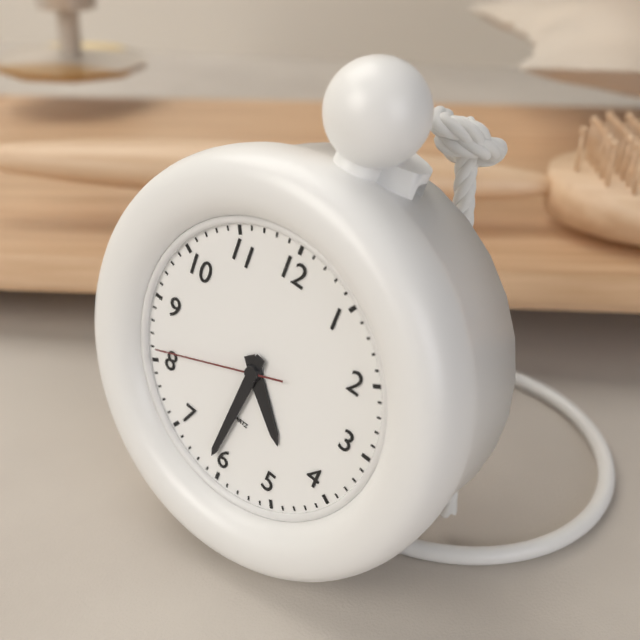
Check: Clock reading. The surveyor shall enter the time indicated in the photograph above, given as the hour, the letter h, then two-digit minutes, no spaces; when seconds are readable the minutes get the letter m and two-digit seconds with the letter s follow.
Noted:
4h31m41s
